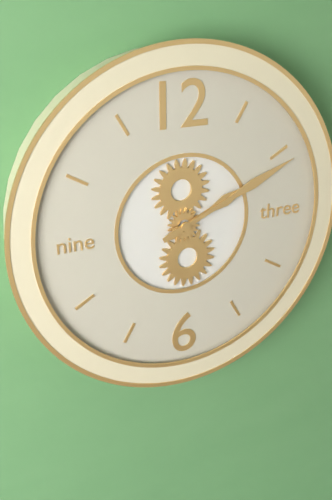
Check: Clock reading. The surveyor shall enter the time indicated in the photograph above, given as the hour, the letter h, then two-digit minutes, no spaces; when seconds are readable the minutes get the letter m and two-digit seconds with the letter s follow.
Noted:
2h11
